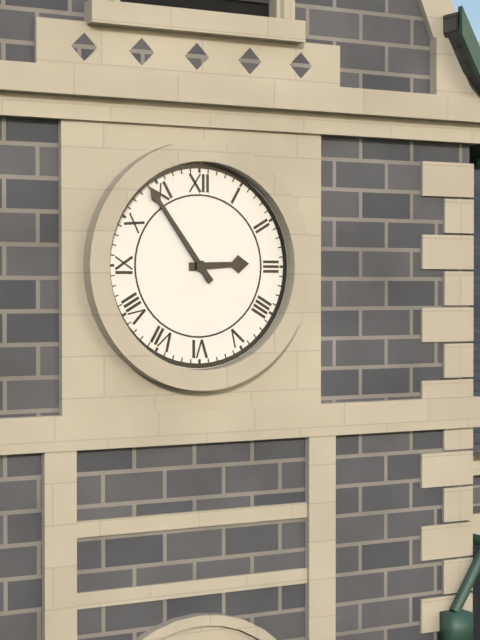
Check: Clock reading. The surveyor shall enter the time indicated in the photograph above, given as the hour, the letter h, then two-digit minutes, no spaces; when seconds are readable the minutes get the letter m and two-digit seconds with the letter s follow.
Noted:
2h54
